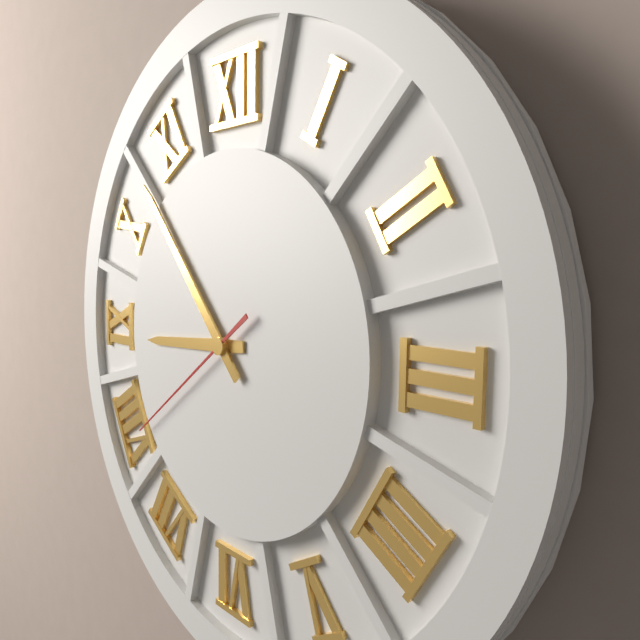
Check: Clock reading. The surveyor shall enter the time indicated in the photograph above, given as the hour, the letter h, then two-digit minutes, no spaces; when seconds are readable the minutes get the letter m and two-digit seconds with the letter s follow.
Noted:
8h53m39s
